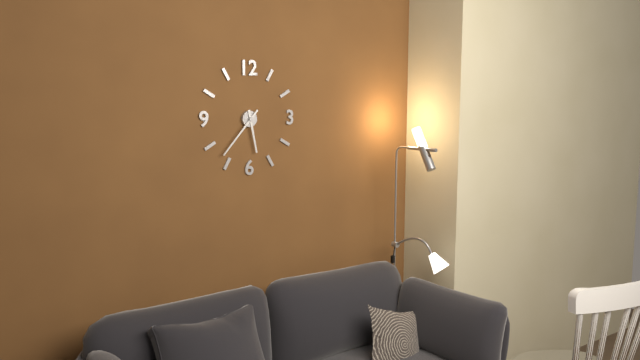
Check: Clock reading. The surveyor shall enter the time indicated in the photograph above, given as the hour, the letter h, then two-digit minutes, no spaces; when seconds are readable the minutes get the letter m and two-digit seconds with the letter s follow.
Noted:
5h37
